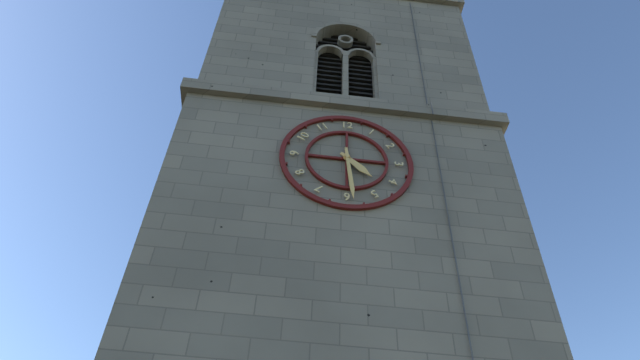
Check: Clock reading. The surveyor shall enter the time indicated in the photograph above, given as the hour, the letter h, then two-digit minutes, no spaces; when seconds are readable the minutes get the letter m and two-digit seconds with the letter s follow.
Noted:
4h29
